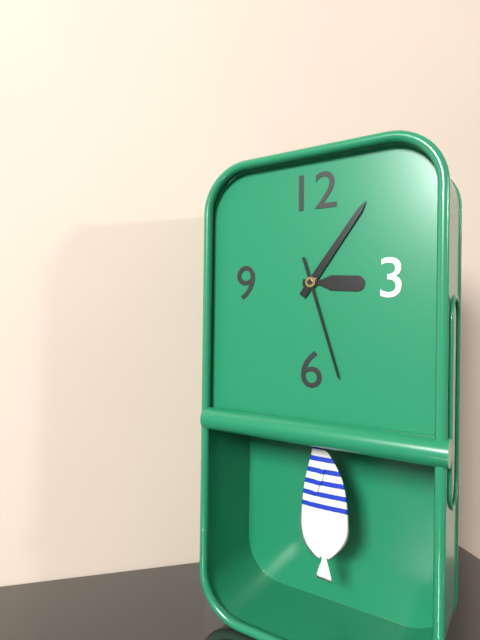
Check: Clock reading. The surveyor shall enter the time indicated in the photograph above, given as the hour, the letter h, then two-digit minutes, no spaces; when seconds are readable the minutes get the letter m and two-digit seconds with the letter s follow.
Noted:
3h06m27s
